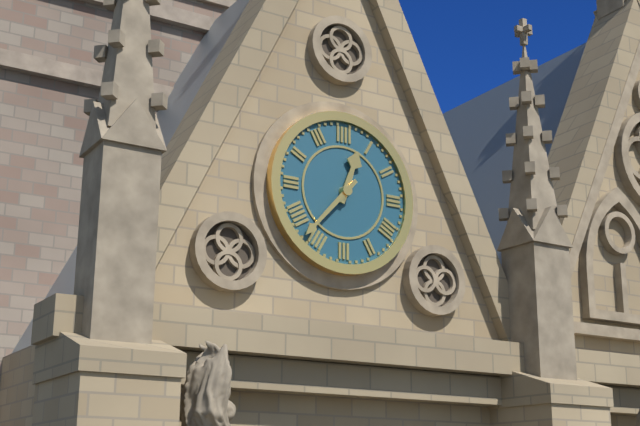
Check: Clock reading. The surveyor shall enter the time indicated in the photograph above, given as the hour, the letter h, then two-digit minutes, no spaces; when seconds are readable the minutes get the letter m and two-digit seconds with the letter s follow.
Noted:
12h37
